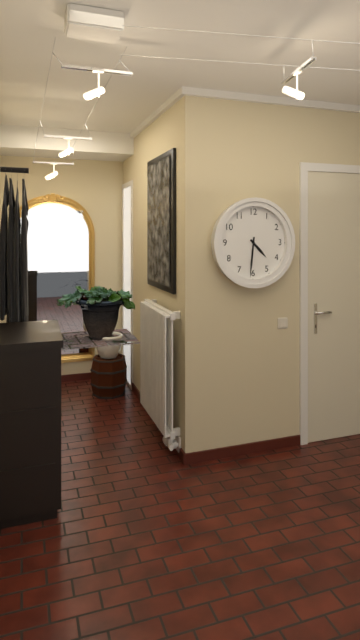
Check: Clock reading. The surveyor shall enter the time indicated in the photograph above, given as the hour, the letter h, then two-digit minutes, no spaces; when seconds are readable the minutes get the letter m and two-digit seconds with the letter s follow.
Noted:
4h31
